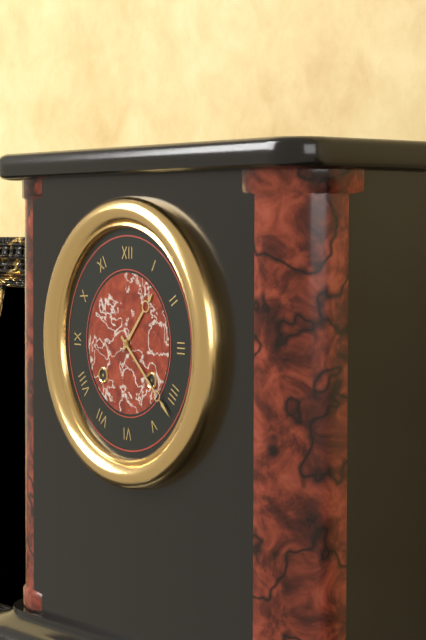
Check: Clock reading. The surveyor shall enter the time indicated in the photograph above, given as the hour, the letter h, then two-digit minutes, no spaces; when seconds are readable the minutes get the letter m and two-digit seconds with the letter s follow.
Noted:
1h22
